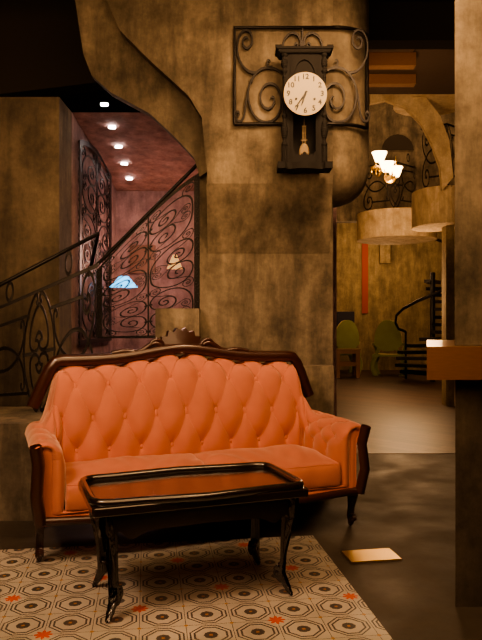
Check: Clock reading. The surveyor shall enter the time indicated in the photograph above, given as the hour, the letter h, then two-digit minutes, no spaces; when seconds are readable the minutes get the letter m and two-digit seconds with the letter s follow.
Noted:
6h36
